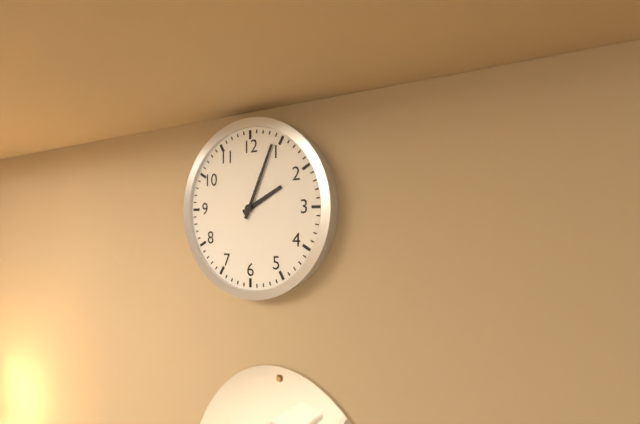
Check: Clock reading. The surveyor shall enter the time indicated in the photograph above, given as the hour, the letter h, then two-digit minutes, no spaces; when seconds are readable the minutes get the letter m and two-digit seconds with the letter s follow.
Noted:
2h04
